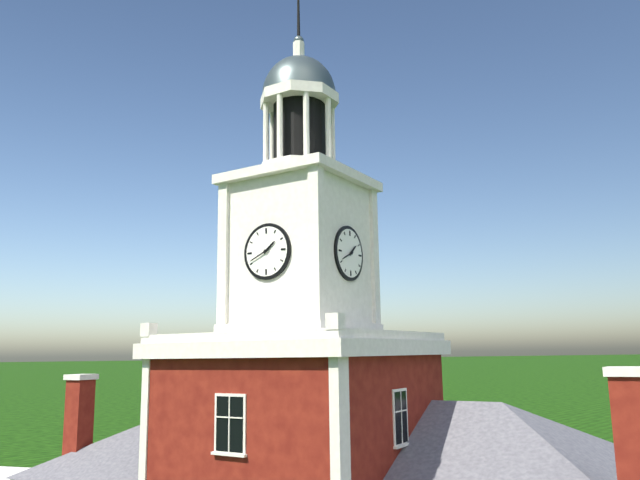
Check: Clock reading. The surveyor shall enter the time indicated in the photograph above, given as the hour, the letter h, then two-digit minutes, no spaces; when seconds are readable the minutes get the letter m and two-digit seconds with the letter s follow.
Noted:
1h41
